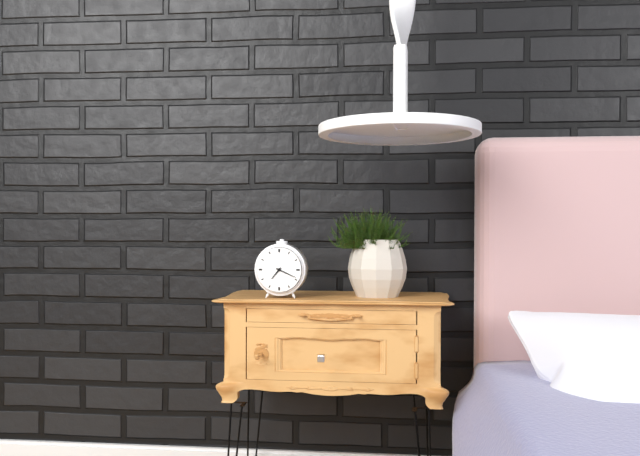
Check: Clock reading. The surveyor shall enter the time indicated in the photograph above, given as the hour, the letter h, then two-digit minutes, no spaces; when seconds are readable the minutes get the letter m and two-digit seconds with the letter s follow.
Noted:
7h19
